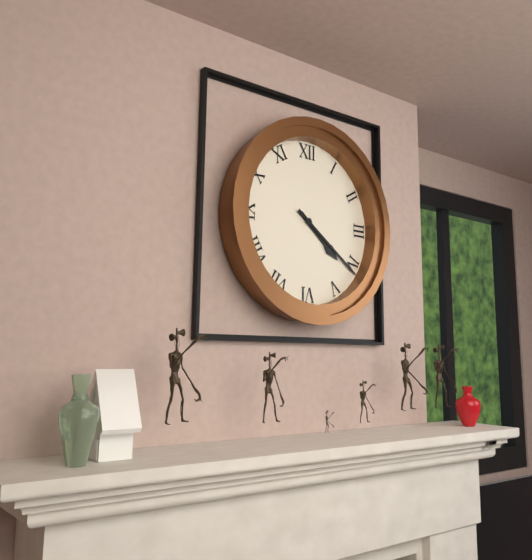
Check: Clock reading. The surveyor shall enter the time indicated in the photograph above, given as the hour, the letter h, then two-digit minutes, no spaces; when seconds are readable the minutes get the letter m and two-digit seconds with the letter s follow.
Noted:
4h21
